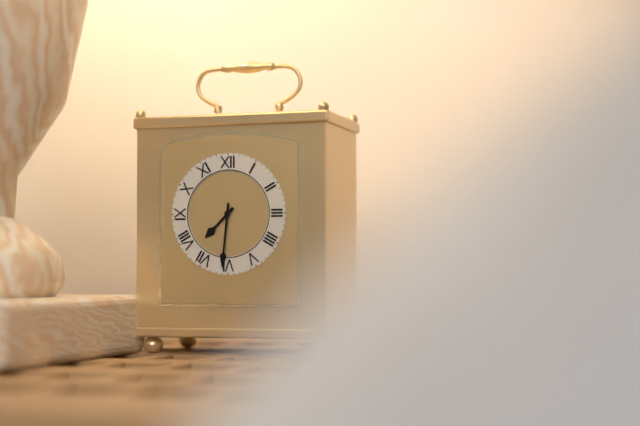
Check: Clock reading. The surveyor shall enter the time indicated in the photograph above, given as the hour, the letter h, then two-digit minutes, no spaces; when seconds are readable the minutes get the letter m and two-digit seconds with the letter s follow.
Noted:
7h31
